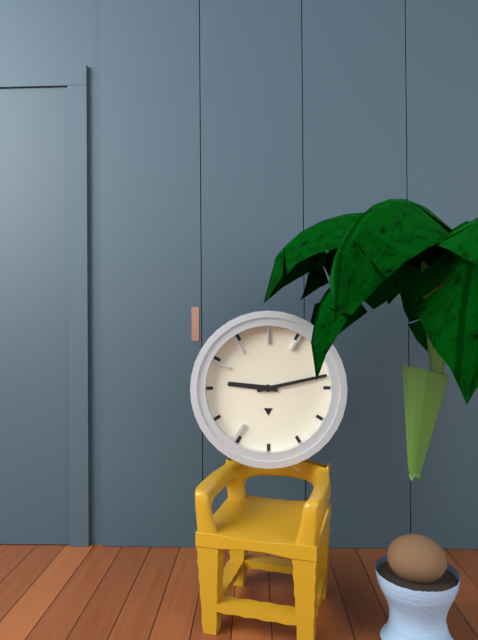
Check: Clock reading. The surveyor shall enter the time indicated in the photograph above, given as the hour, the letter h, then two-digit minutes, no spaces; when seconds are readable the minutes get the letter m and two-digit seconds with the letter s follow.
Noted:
9h13
